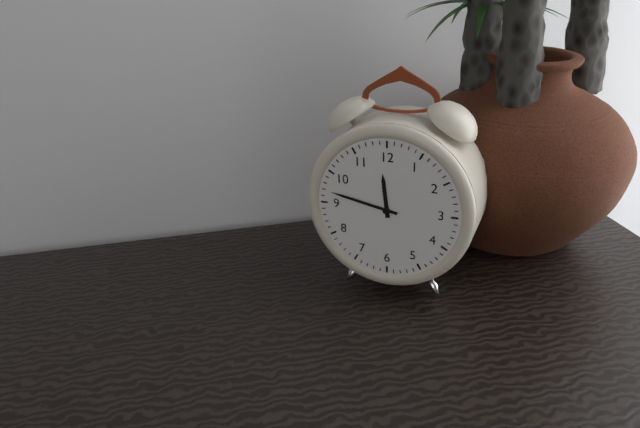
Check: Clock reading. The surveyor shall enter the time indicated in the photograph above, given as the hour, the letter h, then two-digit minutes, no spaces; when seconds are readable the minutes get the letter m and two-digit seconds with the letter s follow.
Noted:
11h47
